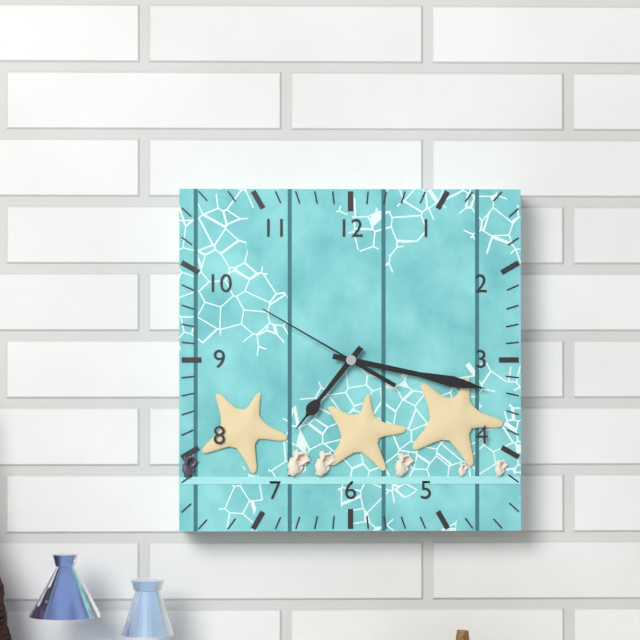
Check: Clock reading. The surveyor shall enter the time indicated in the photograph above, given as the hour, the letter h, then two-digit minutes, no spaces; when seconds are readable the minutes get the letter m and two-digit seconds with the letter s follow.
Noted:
7h17m50s
